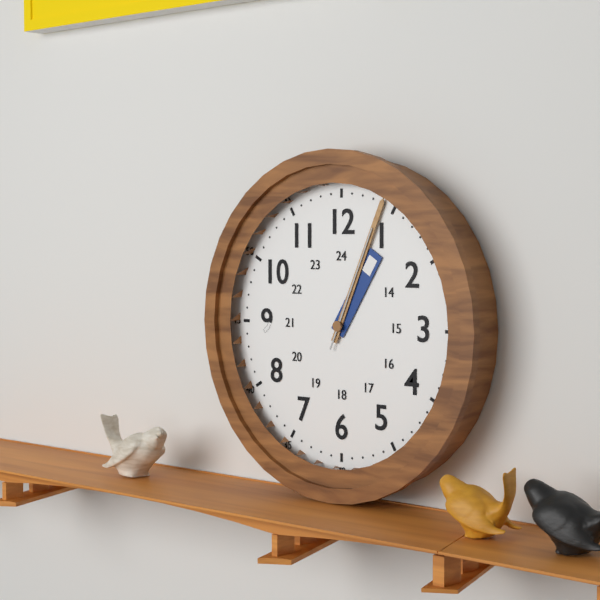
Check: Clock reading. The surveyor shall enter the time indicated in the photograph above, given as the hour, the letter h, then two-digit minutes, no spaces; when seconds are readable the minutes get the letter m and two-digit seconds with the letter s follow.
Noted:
1h04m04s
